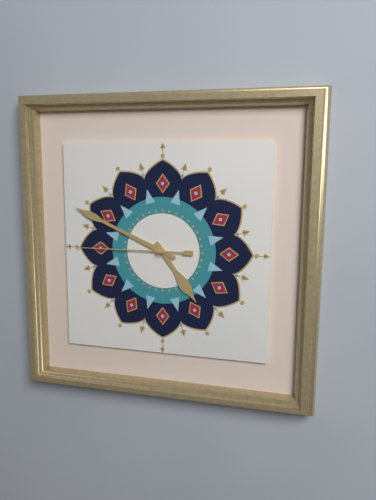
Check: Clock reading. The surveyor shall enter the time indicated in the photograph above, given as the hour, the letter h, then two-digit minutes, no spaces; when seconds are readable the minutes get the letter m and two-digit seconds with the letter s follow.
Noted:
4h49m45s
